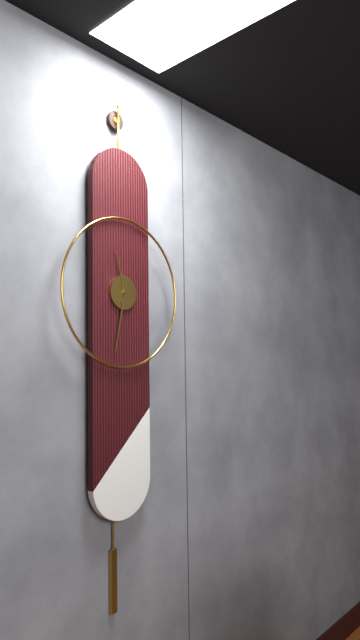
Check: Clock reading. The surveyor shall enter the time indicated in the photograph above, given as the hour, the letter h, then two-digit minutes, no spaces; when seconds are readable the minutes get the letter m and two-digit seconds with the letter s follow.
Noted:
11h32
